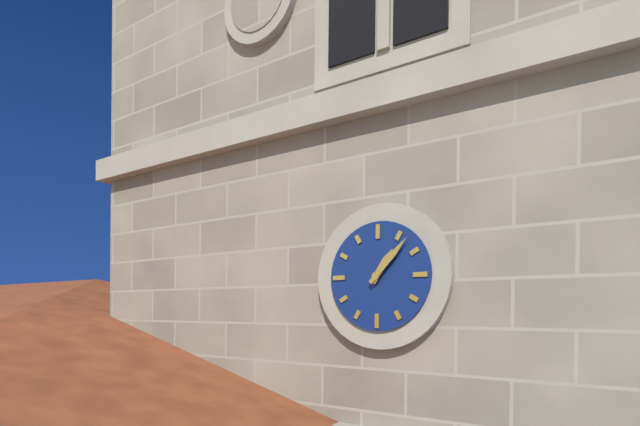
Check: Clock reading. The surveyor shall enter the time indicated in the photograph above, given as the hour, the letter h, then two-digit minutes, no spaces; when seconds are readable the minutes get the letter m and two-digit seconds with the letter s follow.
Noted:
1h07
